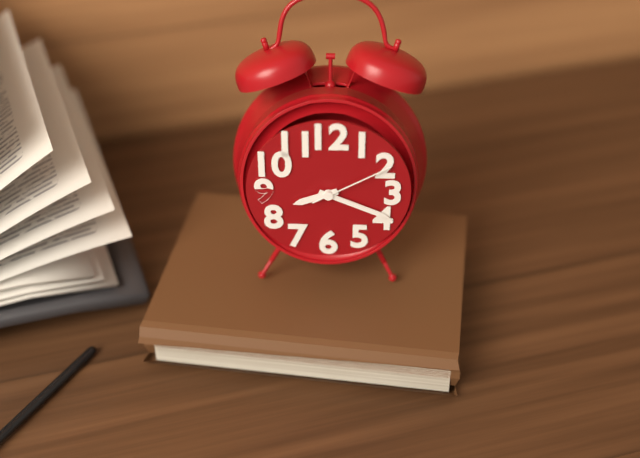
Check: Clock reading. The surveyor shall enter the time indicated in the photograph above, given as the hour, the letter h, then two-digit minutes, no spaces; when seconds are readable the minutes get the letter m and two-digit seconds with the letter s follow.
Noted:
8h19m10s
